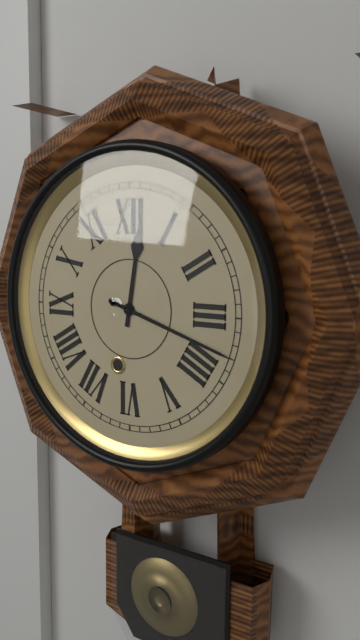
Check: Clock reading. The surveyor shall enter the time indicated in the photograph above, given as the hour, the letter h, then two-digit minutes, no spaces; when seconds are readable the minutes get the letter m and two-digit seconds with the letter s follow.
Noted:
12h18
